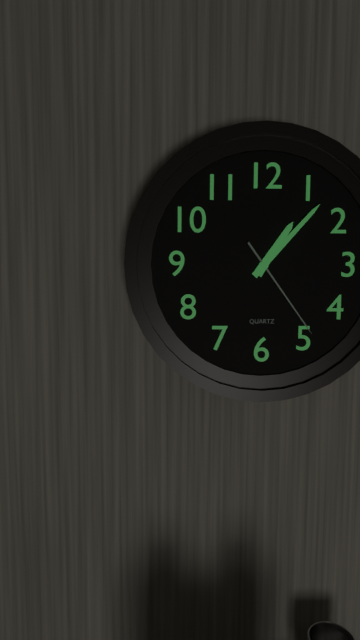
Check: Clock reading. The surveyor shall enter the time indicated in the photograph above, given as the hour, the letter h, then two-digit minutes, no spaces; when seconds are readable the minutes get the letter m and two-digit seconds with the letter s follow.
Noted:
1h07m24s
